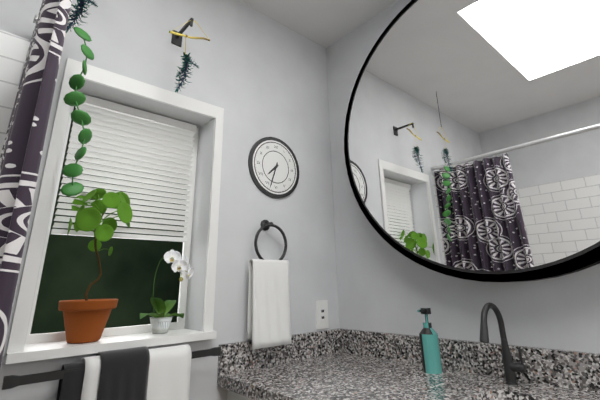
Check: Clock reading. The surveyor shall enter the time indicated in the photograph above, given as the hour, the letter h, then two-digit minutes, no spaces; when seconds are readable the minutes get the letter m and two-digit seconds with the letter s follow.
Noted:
7h33
